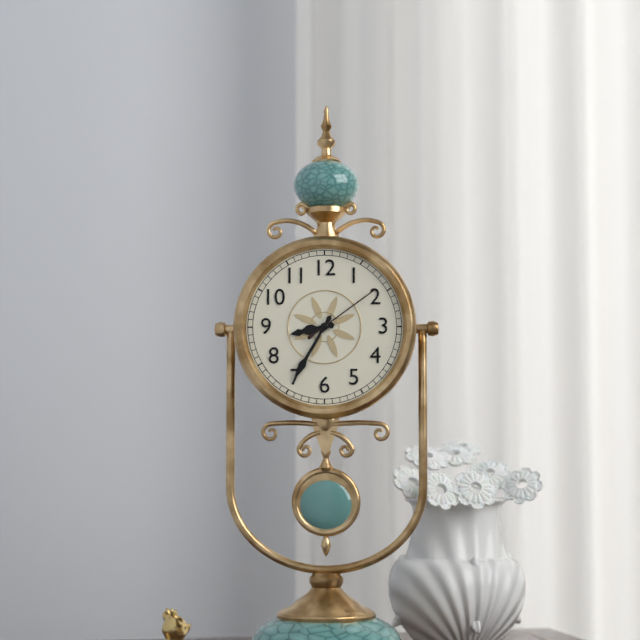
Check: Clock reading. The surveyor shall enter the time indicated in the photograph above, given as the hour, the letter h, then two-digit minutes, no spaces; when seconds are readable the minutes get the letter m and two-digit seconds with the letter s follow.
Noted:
8h35m09s
